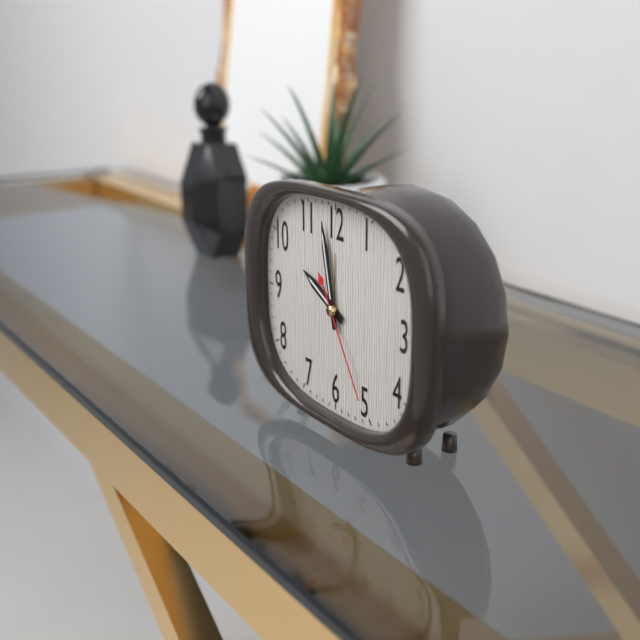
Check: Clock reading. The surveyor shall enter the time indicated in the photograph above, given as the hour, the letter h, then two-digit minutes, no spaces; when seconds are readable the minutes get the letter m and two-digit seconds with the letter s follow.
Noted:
9h58m25s
